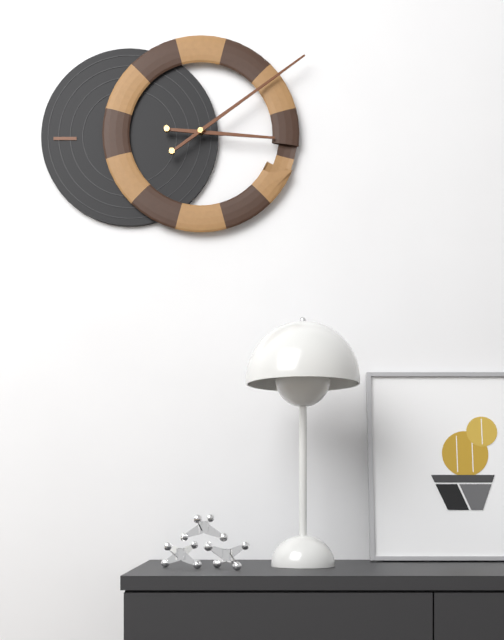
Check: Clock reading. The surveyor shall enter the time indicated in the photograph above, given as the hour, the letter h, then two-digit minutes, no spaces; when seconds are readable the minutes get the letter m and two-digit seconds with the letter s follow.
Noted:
3h09
